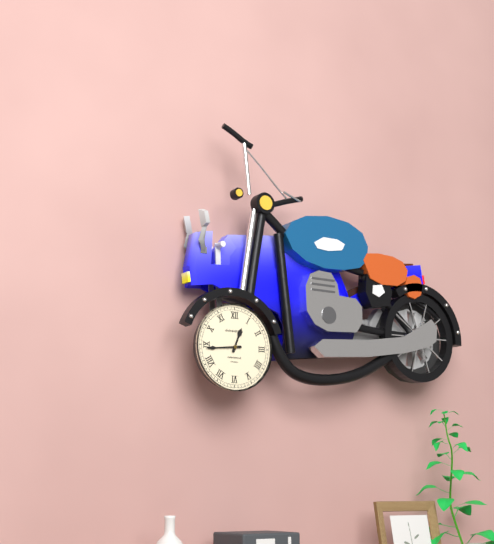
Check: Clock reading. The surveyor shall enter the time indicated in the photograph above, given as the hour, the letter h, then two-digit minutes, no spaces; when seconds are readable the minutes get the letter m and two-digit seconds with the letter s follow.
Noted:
12h44
